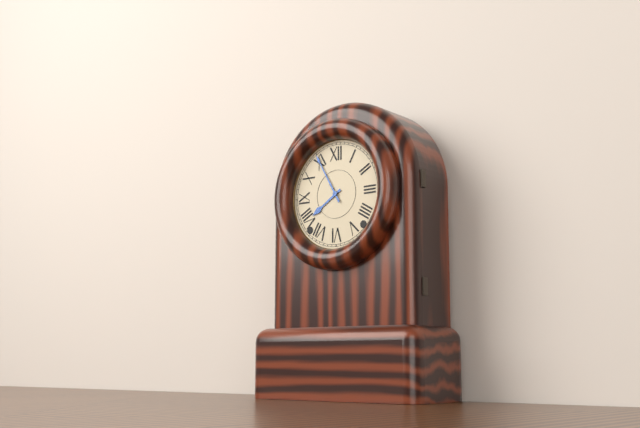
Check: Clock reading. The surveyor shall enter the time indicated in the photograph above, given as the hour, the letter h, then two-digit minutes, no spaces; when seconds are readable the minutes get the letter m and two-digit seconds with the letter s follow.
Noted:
7h55
